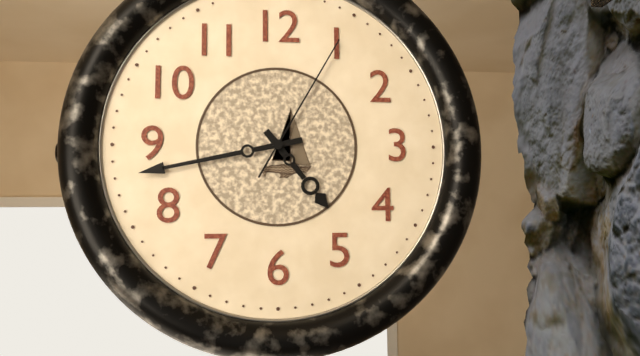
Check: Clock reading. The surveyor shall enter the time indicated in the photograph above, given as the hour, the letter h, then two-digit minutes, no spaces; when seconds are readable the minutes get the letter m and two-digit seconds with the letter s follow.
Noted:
4h43m05s
